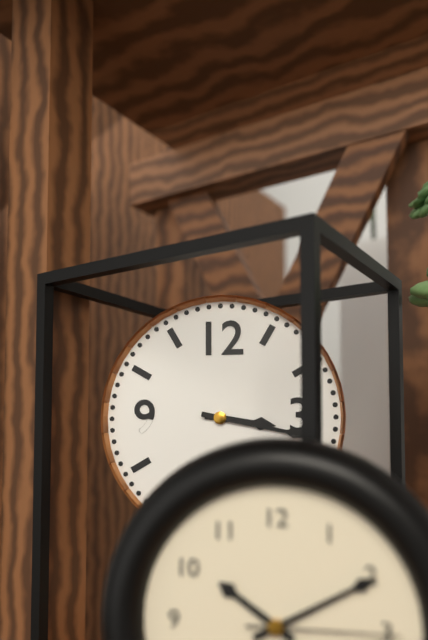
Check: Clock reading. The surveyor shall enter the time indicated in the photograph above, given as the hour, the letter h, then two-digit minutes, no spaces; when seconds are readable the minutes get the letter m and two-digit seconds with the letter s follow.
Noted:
3h17
